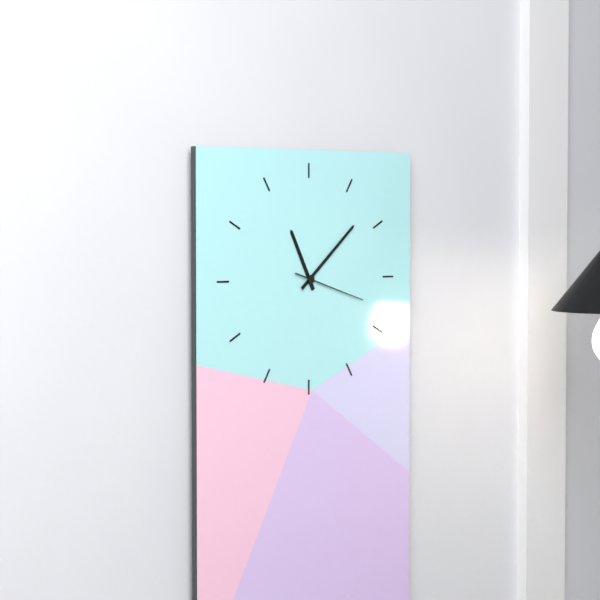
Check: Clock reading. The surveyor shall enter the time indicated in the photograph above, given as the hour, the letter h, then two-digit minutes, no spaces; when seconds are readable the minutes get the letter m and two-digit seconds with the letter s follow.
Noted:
11h08m18s
